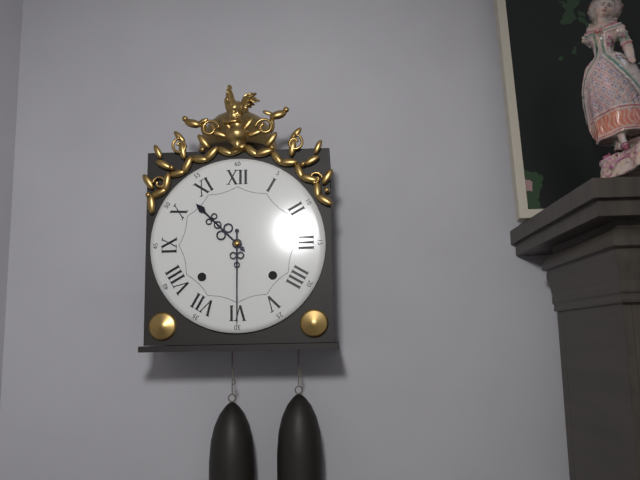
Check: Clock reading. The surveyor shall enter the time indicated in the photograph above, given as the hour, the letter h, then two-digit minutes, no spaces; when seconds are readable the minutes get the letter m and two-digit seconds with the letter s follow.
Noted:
10h30
